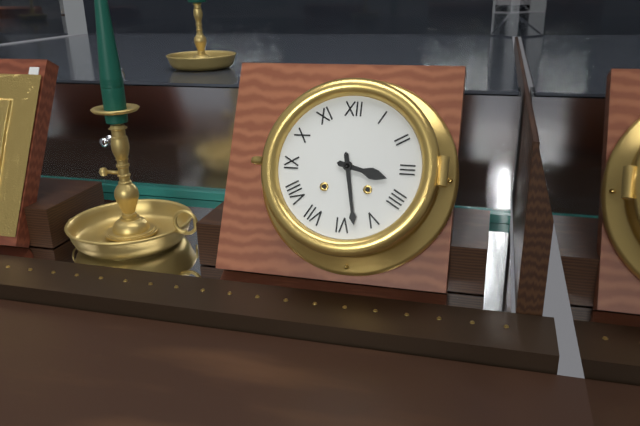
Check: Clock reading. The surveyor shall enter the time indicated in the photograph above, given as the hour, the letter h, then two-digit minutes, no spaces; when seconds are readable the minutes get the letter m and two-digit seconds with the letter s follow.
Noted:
3h28
